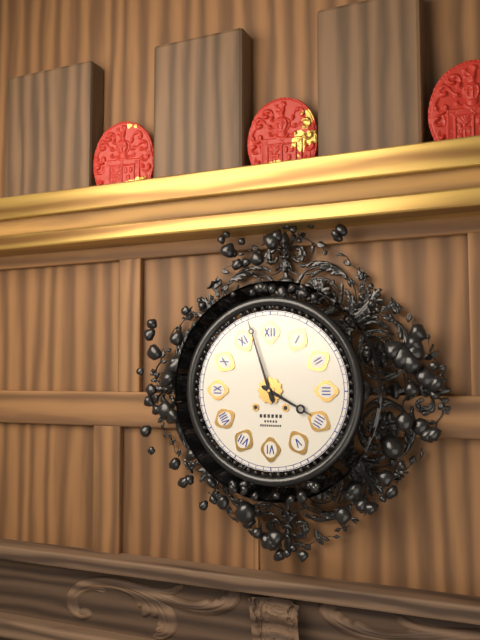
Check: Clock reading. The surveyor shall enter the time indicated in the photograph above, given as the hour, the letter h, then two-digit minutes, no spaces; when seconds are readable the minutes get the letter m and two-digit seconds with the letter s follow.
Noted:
3h57
